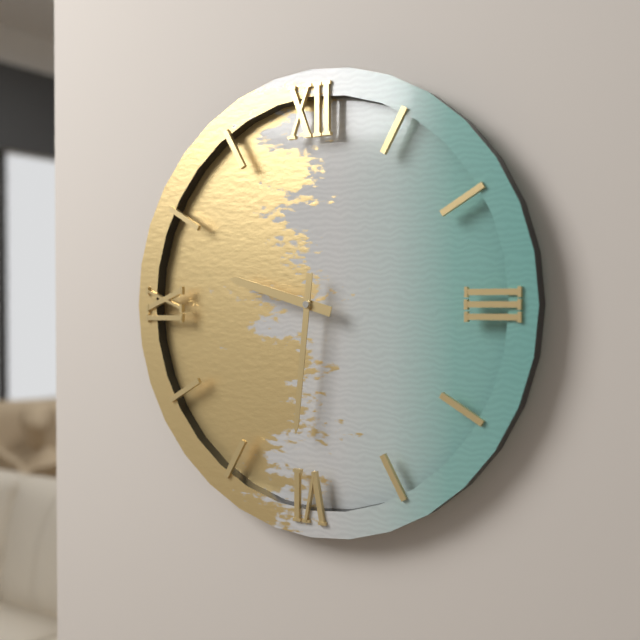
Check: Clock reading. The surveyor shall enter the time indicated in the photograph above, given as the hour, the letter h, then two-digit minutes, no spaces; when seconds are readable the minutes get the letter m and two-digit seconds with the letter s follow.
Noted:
9h31
